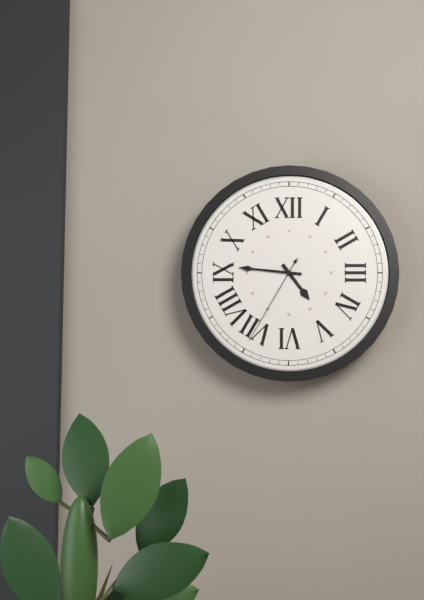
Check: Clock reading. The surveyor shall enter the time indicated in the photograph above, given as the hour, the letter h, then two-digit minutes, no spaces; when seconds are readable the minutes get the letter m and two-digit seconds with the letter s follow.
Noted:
4h46m35s
